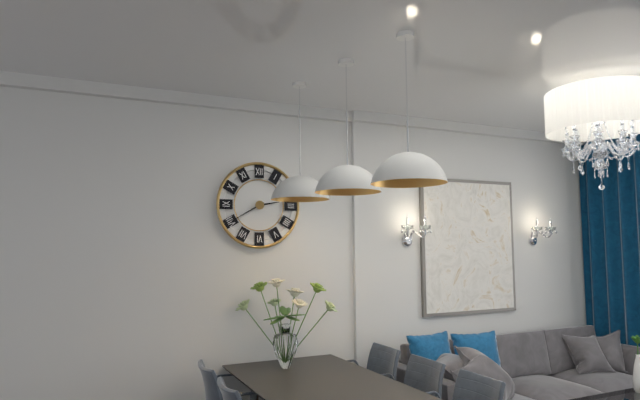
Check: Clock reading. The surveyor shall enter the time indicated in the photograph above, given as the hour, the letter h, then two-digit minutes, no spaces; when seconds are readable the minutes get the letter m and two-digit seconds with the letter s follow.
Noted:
2h40
